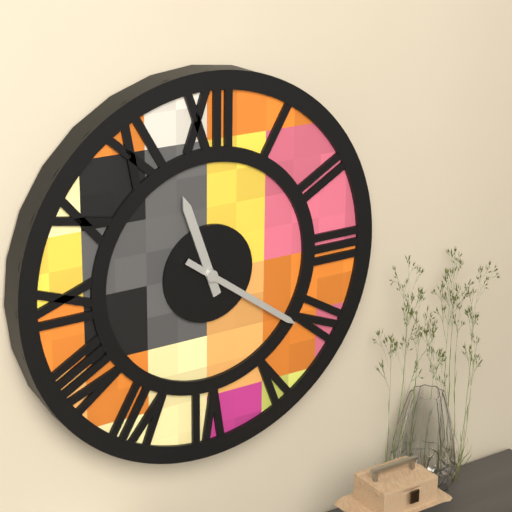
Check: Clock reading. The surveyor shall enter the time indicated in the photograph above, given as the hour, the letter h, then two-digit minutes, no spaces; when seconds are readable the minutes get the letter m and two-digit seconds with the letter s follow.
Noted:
11h21
